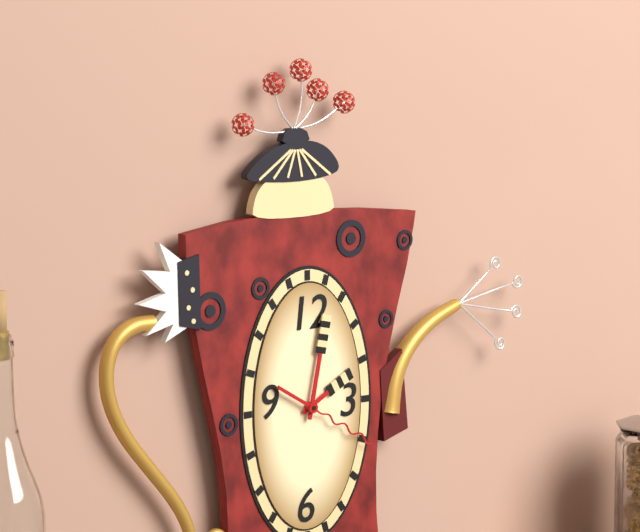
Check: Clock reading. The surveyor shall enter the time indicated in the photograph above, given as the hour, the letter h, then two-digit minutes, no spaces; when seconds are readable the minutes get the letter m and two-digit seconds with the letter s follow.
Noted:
2h02m20s
